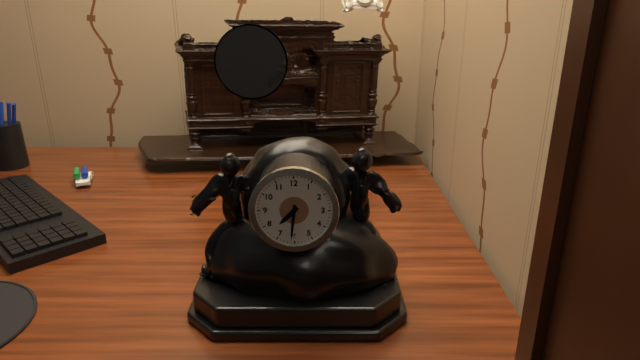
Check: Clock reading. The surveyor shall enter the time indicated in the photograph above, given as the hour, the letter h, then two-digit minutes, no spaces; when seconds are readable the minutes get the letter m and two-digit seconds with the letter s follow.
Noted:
7h31
